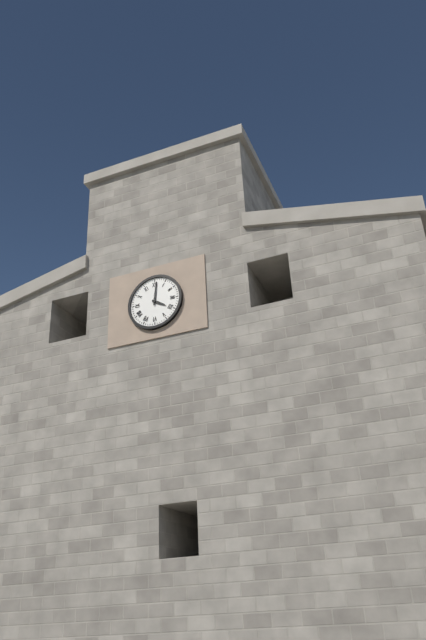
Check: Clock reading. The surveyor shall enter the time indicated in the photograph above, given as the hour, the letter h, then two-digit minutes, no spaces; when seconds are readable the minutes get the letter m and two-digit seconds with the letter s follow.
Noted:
4h01
